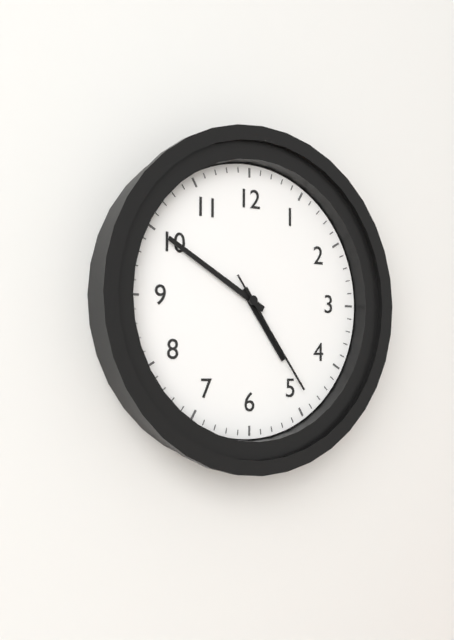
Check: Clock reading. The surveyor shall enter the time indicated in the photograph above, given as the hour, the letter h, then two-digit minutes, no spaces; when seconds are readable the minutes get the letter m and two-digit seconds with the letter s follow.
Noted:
4h50m24s
